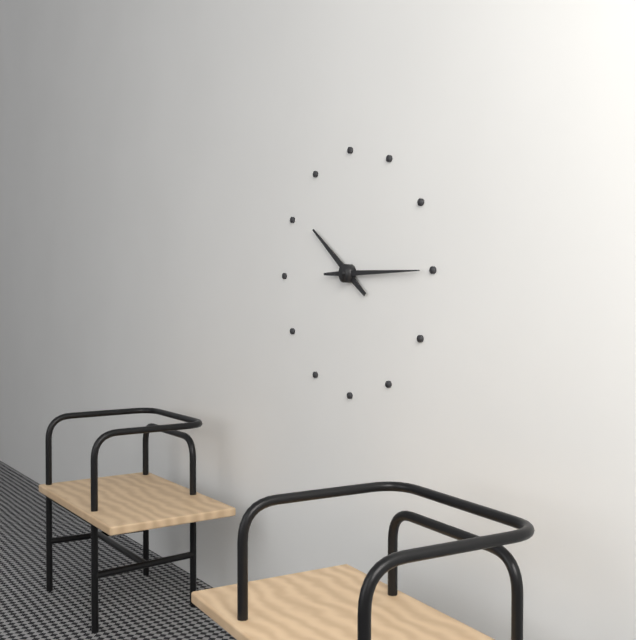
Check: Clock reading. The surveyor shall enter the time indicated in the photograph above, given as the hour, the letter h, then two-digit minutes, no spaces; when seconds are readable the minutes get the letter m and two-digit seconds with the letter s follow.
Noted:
10h15
